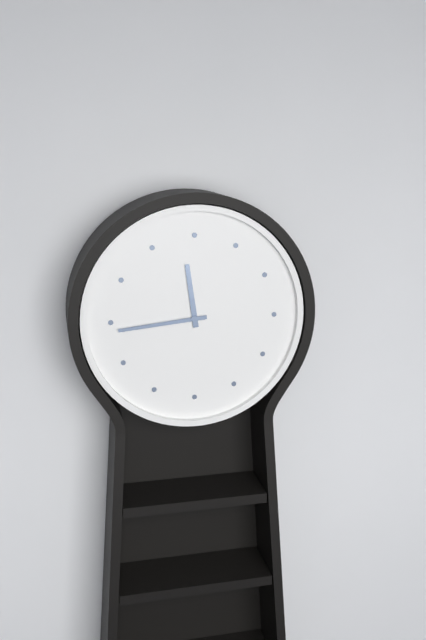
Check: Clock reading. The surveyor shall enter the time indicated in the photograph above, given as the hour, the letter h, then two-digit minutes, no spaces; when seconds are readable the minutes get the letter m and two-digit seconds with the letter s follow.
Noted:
11h44
